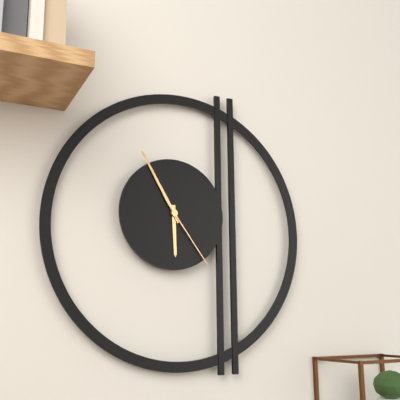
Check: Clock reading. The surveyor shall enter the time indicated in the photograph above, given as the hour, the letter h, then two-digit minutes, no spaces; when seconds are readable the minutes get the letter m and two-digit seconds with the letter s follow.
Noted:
5h55m24s
